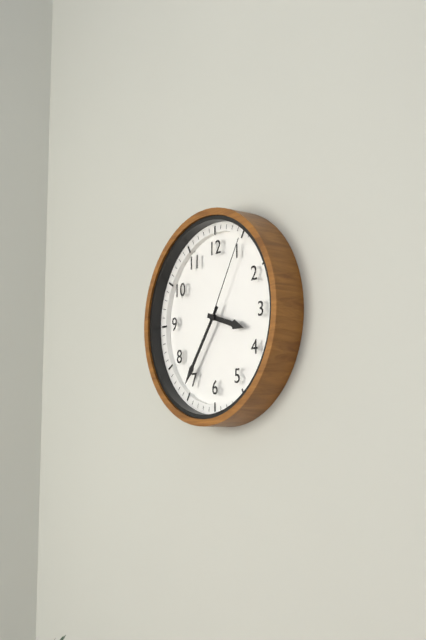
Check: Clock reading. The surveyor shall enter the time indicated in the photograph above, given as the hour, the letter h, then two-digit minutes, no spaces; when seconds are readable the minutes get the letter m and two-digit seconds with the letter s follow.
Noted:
3h36m05s
